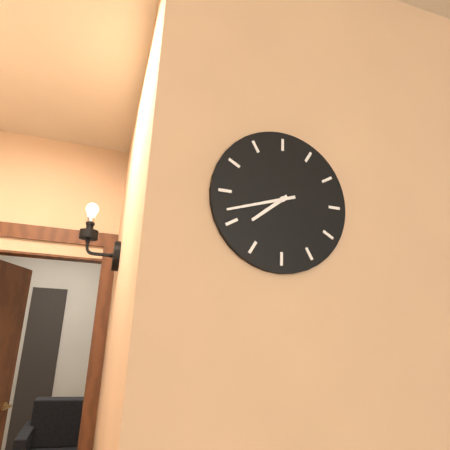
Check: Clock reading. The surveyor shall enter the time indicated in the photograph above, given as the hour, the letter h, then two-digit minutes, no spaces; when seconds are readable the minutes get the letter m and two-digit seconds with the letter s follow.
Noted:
7h42
